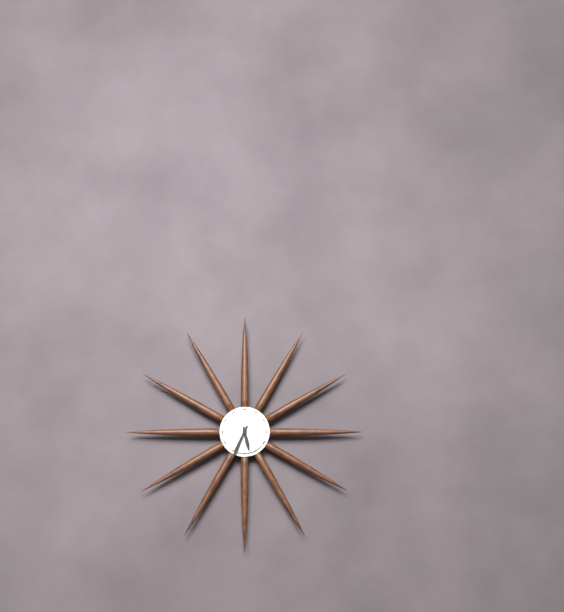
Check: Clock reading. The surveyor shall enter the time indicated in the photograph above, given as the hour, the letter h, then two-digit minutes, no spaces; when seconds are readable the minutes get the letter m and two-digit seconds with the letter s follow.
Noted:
5h34
